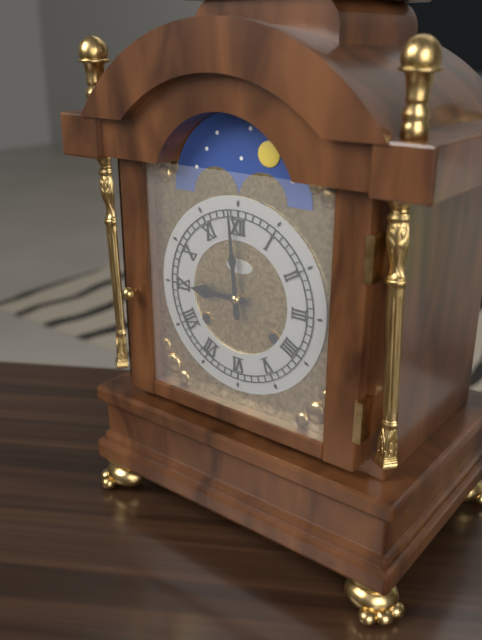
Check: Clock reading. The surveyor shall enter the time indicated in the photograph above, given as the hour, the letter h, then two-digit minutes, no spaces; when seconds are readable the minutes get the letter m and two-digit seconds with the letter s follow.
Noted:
8h59
